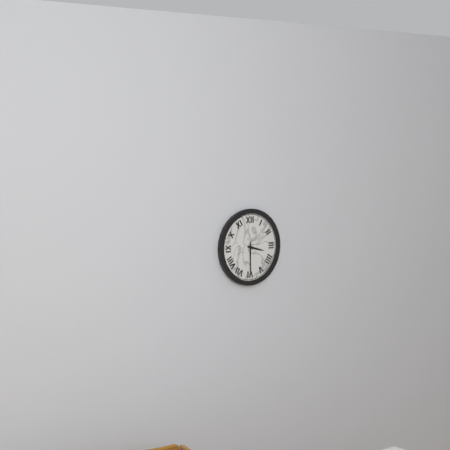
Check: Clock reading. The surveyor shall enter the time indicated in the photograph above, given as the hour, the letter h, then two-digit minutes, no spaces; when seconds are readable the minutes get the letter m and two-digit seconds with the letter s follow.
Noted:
3h30
